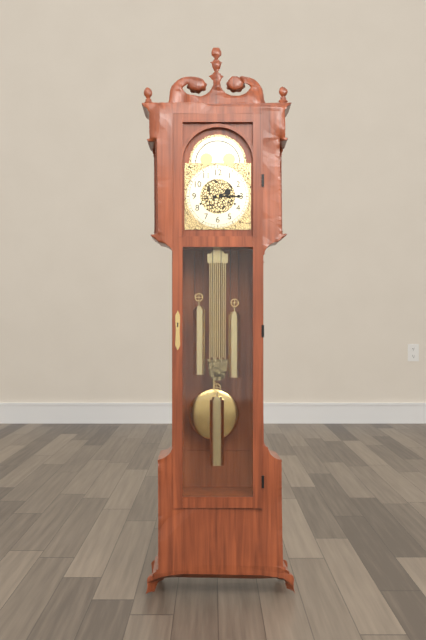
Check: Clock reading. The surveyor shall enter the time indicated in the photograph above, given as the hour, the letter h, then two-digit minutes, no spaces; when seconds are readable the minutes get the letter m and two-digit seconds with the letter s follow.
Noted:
2h15
